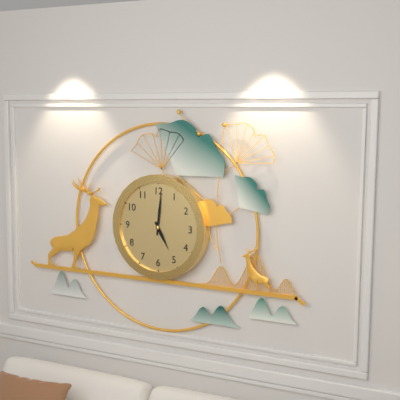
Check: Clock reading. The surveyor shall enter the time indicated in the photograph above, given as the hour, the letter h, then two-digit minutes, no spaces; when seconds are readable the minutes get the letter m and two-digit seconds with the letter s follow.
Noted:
5h01
